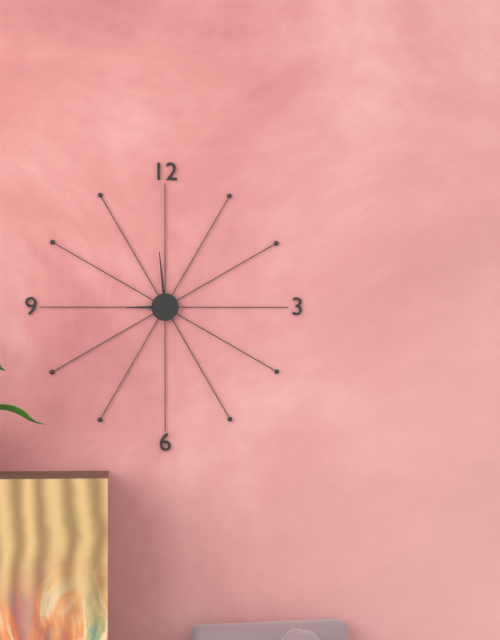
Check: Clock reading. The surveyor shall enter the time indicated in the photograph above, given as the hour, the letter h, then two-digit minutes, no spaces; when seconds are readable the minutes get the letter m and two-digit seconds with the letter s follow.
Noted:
8h59
